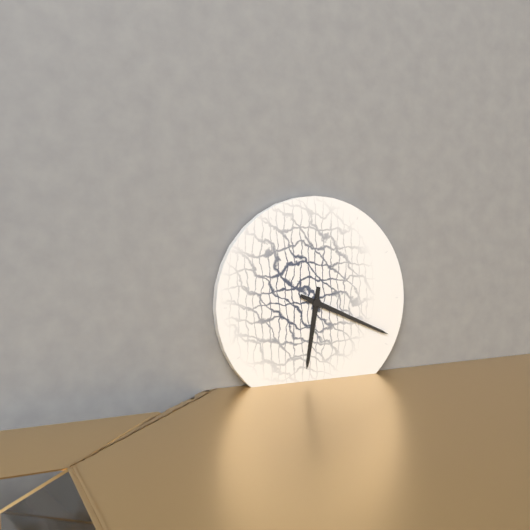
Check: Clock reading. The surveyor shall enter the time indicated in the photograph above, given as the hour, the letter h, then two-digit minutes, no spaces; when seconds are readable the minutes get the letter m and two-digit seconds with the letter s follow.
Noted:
6h19
